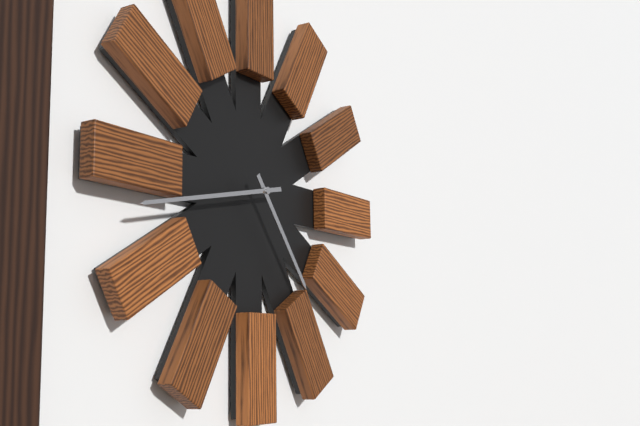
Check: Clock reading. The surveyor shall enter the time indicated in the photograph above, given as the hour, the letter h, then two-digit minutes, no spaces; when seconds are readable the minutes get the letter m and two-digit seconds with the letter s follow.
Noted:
4h43
